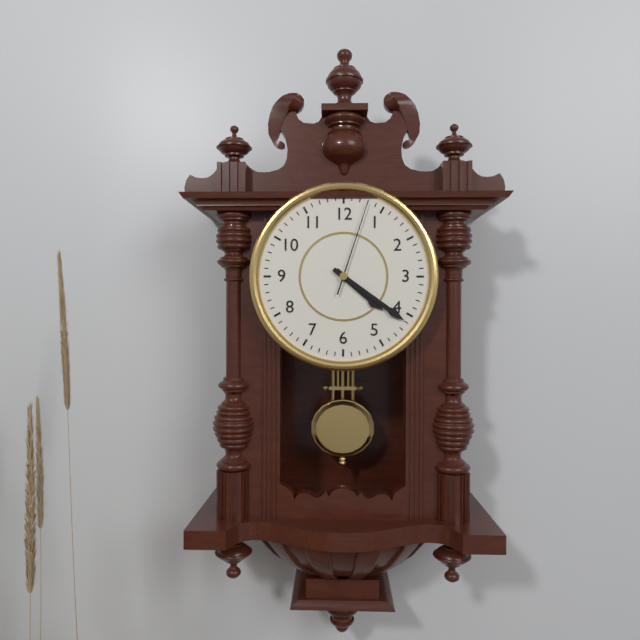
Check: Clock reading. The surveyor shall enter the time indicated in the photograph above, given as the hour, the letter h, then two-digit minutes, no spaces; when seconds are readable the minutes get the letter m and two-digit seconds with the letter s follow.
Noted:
4h21m03s
